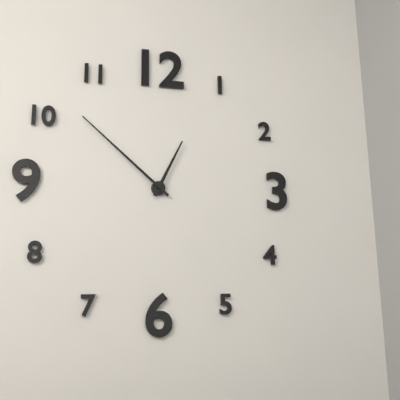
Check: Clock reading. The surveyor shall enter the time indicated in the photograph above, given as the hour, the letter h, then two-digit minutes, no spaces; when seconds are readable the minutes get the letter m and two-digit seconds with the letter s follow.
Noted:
12h52
